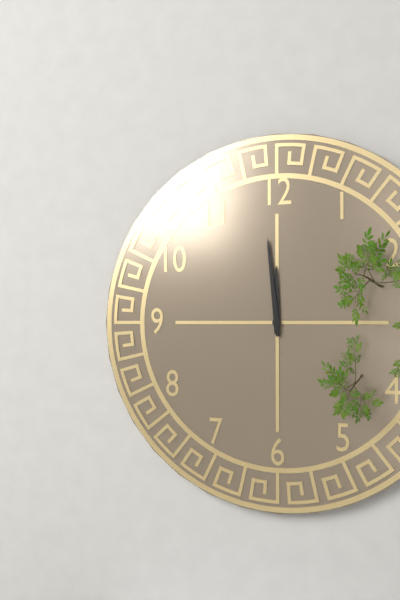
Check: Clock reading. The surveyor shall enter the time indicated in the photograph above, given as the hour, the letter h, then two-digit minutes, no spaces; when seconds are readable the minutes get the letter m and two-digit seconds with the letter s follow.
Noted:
11h59
